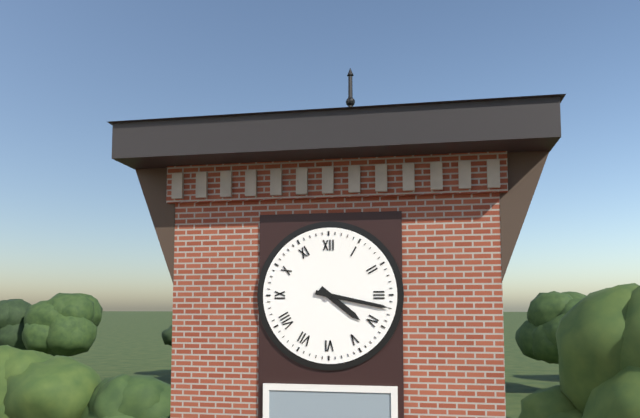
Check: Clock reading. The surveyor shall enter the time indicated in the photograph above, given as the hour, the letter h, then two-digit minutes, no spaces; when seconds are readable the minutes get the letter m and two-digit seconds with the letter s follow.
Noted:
4h17
